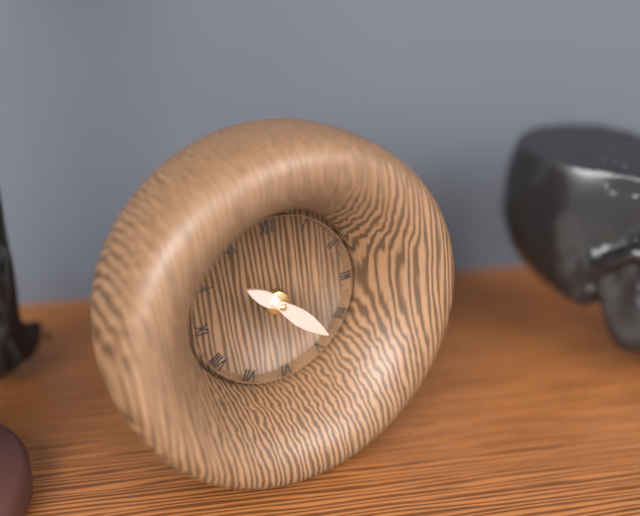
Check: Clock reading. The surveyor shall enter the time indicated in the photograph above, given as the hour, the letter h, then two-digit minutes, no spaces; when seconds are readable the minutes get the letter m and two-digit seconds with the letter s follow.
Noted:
10h23
